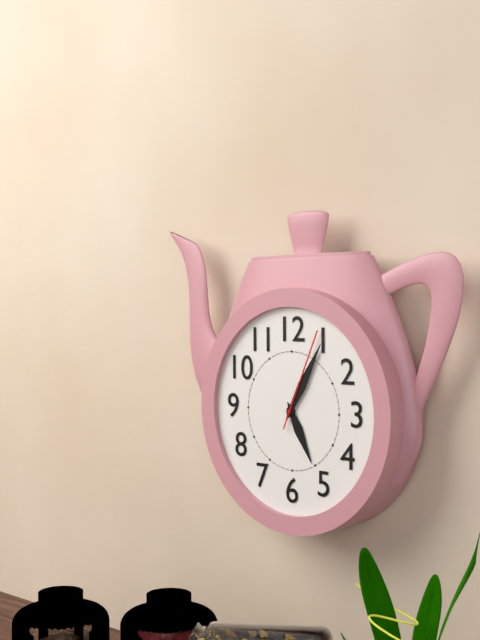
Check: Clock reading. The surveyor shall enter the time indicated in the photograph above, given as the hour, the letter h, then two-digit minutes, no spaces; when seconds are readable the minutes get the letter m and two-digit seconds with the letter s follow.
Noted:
5h05m04s
